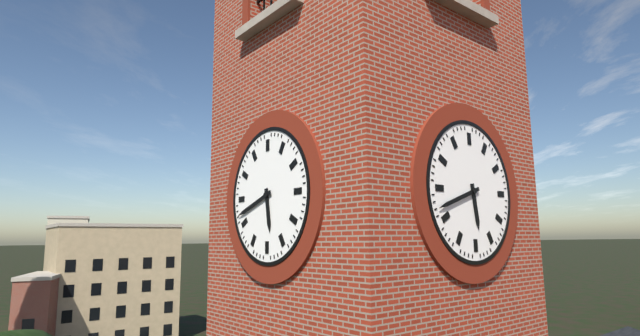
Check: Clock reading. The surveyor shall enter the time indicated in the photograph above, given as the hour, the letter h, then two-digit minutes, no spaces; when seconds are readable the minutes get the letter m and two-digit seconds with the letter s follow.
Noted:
5h42
